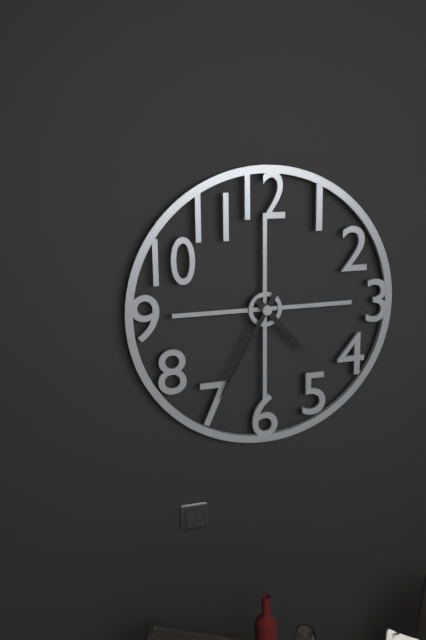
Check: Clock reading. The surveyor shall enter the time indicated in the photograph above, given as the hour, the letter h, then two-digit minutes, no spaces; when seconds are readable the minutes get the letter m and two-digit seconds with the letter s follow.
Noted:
4h35
